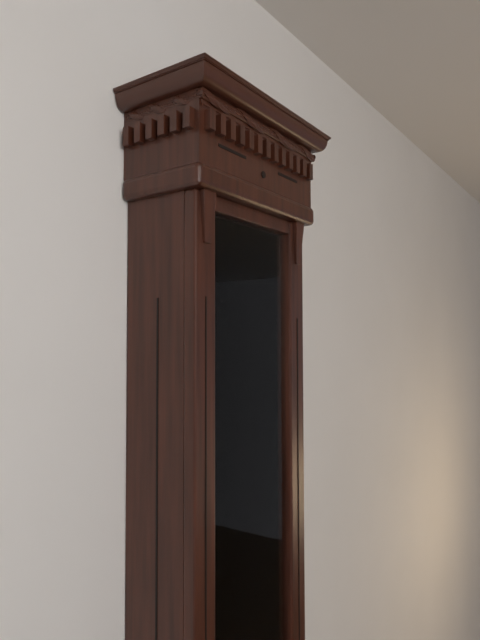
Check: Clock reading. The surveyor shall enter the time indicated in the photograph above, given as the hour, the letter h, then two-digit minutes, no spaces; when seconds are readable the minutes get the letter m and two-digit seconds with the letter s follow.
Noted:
11h28
